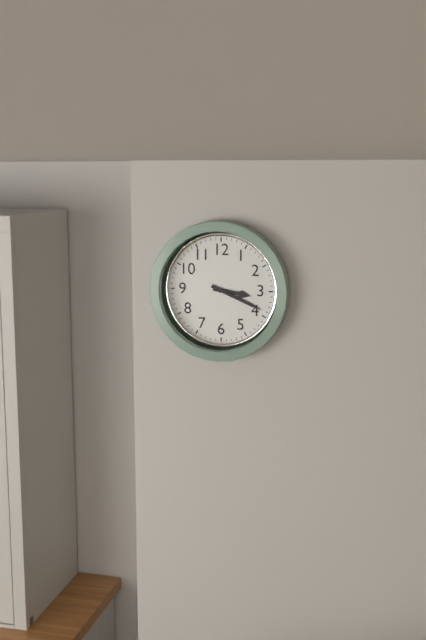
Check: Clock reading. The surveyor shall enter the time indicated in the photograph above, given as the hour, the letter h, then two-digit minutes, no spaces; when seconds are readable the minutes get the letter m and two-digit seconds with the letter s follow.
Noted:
3h19
